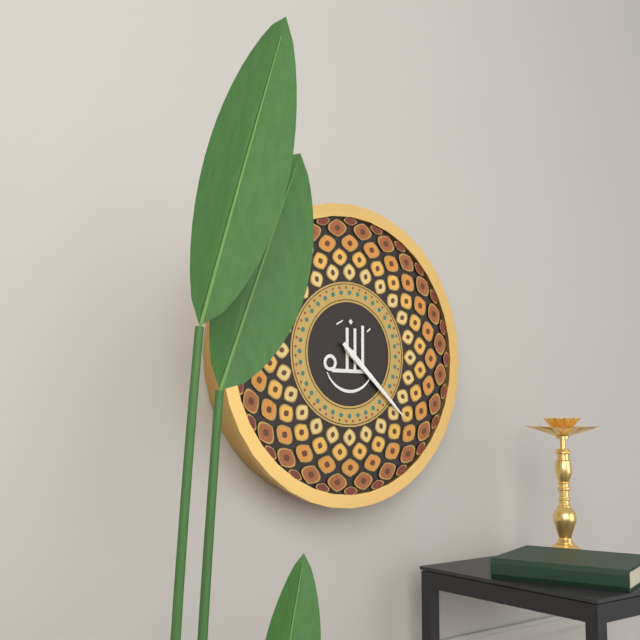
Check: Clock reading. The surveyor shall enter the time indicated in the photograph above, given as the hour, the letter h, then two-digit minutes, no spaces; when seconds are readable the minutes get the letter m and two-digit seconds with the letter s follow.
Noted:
4h22
